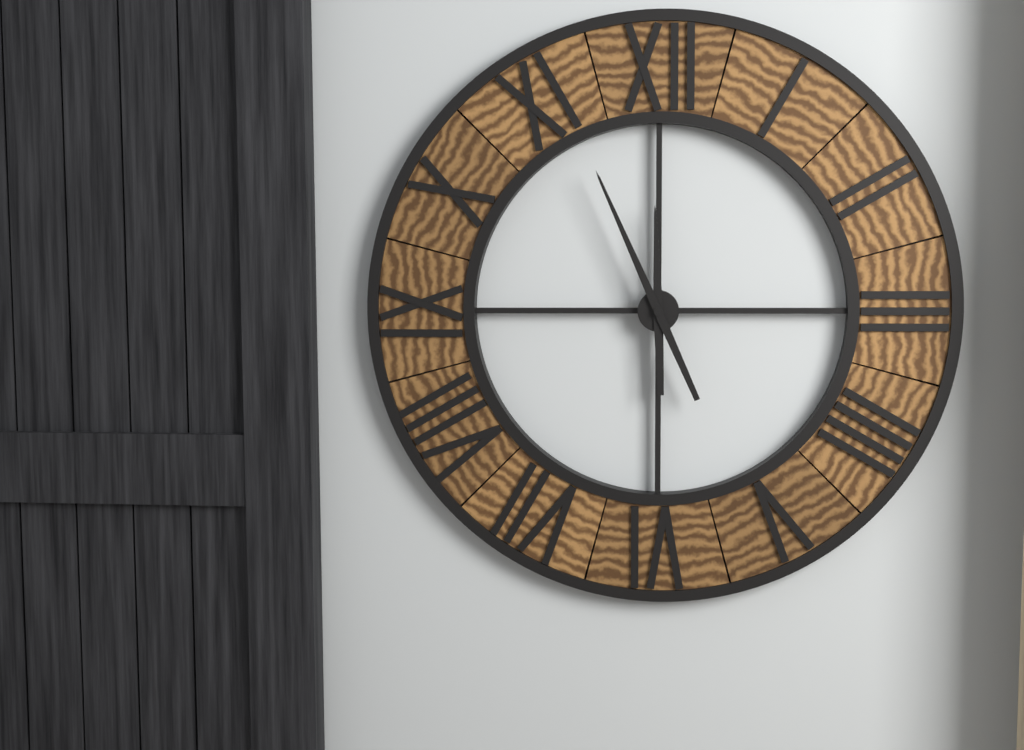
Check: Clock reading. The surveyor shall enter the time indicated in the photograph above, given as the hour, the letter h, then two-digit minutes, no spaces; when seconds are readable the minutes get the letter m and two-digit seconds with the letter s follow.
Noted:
11h56
